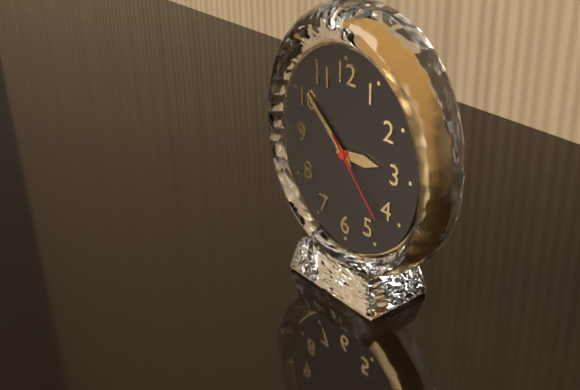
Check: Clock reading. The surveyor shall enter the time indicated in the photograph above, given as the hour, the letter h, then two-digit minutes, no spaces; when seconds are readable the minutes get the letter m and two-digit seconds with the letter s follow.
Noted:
2h52m23s
